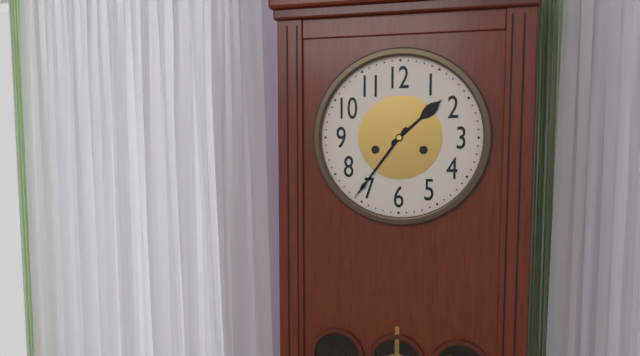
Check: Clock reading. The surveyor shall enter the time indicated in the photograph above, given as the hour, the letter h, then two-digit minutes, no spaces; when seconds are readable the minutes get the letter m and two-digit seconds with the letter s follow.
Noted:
1h36
